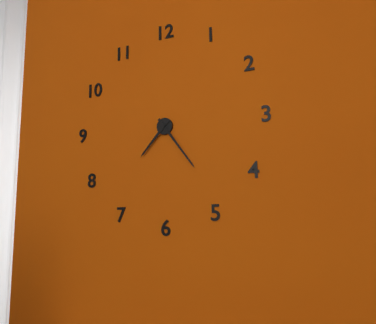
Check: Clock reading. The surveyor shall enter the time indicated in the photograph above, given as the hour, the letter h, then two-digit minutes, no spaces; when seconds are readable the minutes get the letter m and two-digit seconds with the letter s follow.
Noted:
7h24
